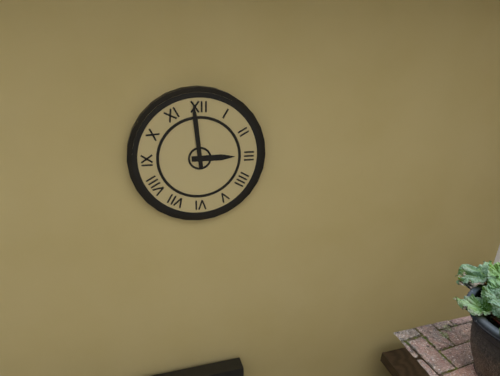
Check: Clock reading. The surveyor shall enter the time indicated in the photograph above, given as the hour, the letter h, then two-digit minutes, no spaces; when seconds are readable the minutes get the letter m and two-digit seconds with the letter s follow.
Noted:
2h59
